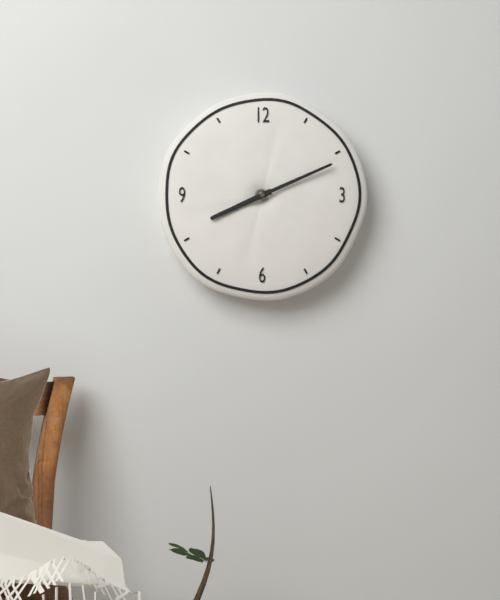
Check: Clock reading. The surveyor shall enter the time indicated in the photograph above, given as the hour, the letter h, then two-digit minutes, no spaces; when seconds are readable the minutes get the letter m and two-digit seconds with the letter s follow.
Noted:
8h11
